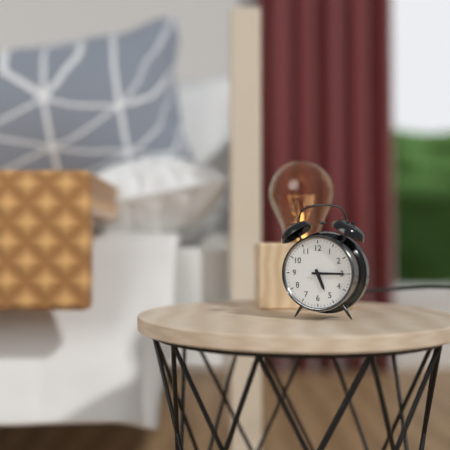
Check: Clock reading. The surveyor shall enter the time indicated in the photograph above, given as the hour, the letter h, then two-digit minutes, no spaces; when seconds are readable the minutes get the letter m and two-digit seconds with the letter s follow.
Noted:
5h15
